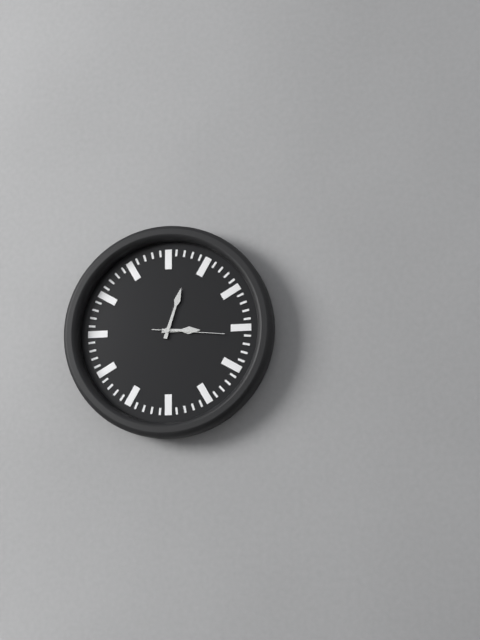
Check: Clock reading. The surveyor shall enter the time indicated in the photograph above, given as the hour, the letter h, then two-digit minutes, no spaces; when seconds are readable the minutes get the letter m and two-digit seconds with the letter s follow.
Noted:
3h03m16s
